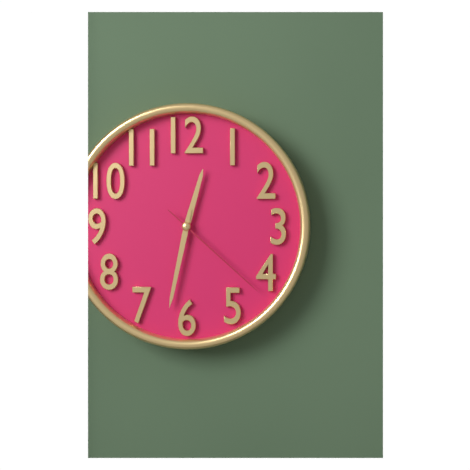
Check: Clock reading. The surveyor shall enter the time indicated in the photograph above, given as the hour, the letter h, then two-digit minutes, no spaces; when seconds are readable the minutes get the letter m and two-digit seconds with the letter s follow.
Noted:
12h32m22s
